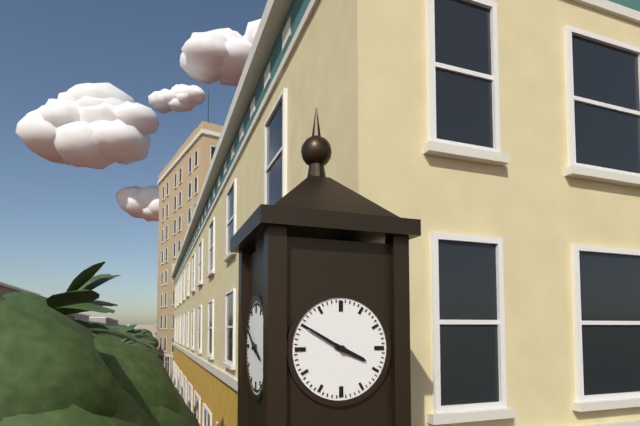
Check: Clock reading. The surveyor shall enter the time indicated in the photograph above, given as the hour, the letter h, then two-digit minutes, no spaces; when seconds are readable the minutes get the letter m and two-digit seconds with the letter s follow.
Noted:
3h50
